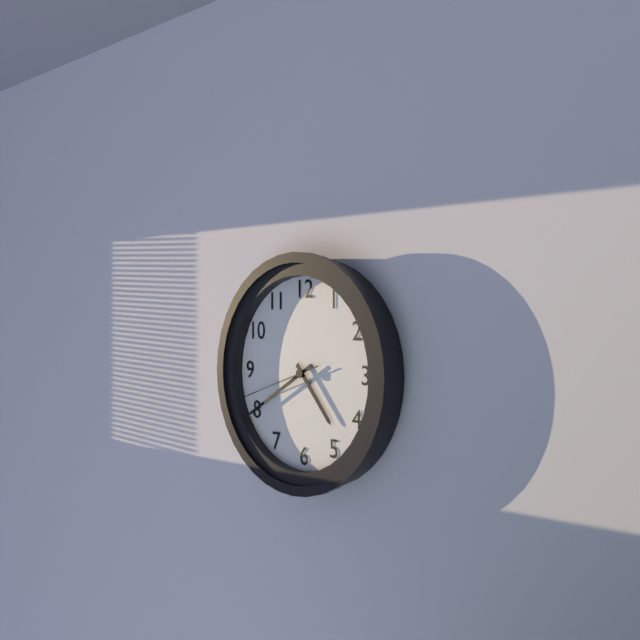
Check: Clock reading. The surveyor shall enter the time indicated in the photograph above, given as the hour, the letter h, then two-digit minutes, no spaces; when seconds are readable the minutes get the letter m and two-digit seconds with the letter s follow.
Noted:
4h40m42s
